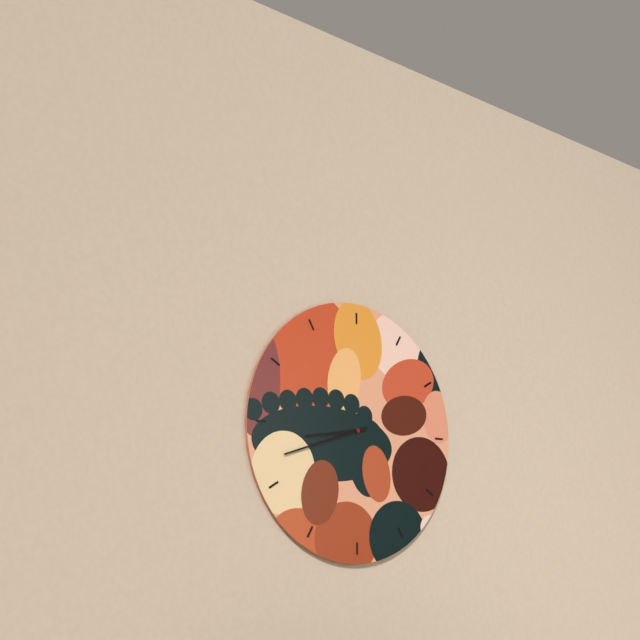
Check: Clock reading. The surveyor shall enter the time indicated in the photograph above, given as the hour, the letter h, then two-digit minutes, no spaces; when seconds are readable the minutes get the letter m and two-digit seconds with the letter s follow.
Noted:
8h42
